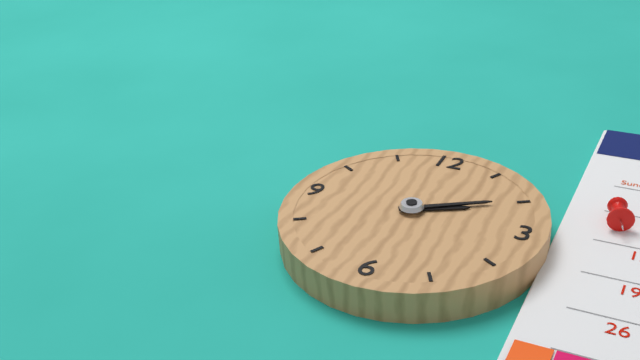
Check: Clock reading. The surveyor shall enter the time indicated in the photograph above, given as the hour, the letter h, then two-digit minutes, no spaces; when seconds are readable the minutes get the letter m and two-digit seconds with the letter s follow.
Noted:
2h10
